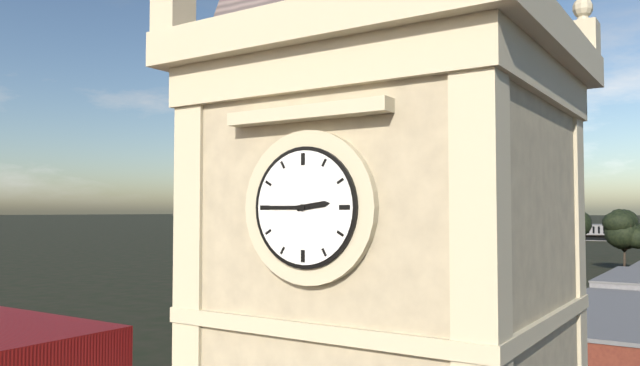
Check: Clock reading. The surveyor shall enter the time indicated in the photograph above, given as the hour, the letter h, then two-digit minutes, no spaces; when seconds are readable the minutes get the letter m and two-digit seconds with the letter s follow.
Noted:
2h45
